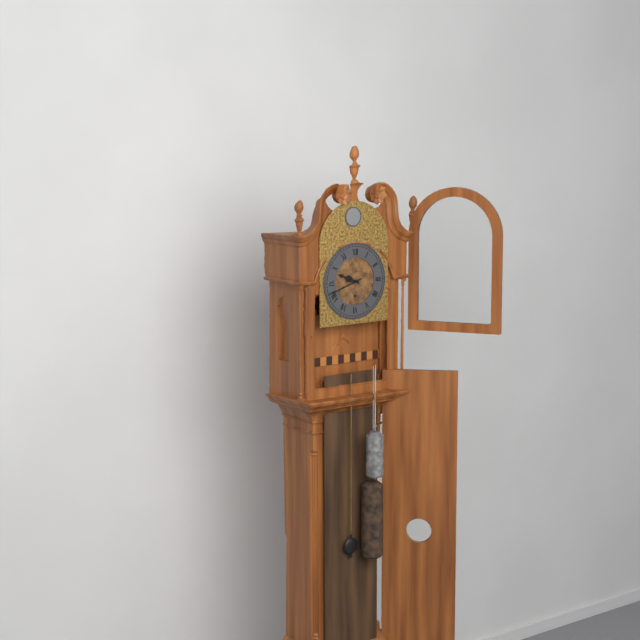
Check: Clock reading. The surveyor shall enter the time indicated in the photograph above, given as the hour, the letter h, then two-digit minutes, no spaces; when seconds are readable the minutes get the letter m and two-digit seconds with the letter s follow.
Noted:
9h42
